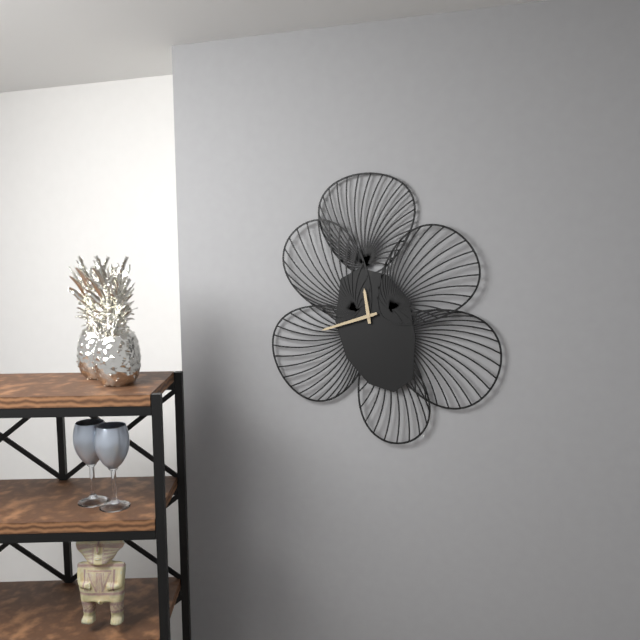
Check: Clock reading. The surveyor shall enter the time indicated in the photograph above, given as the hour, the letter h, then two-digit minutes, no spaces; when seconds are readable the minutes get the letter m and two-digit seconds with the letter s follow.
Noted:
11h42
